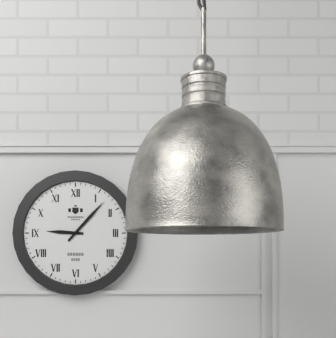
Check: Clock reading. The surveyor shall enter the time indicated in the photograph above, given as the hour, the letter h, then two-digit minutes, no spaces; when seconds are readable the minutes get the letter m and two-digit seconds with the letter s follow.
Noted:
9h07
